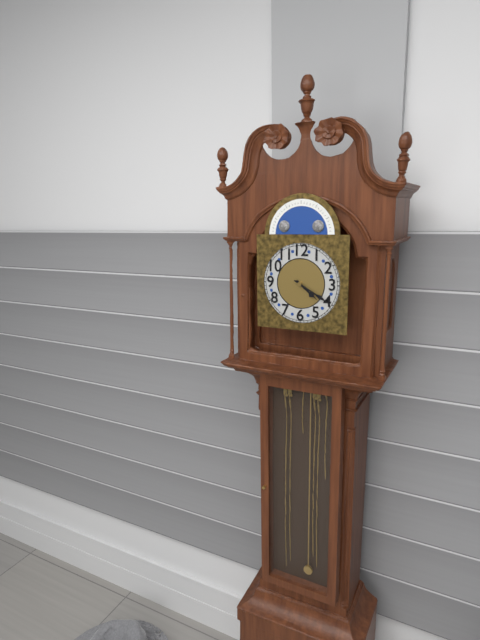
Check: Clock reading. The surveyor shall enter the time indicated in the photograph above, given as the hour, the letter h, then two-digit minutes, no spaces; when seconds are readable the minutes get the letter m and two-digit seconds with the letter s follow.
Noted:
4h20
